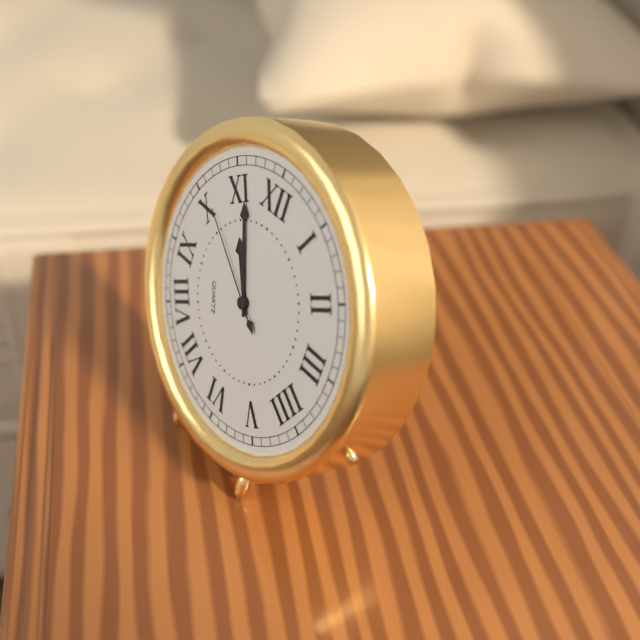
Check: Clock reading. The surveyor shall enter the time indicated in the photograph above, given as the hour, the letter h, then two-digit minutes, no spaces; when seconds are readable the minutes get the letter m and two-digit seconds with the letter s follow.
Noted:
10h56m51s
